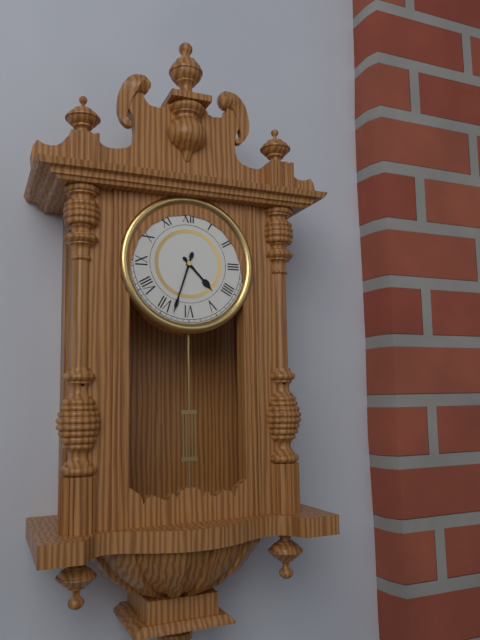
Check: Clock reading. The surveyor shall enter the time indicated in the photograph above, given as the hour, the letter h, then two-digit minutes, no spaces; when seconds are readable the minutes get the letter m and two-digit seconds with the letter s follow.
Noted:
4h33
